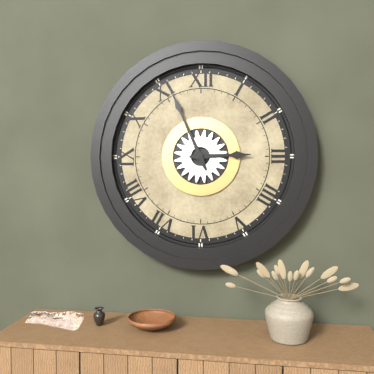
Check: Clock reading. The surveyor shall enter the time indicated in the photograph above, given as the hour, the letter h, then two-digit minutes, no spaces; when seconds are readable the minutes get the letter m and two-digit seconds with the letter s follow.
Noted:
2h56
